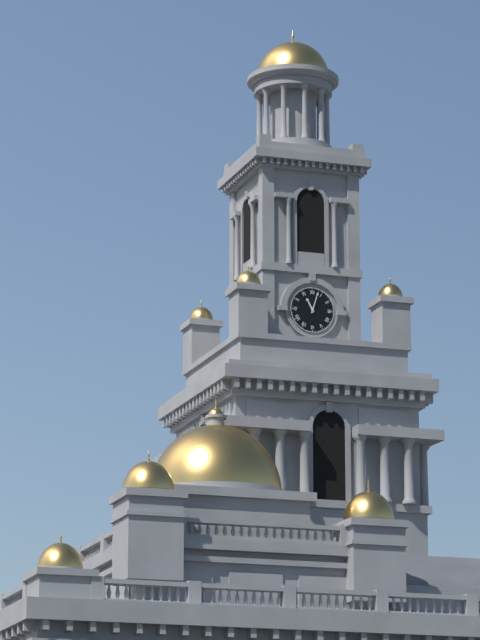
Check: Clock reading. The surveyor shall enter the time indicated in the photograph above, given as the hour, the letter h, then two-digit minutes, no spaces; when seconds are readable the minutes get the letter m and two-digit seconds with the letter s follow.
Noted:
11h03
